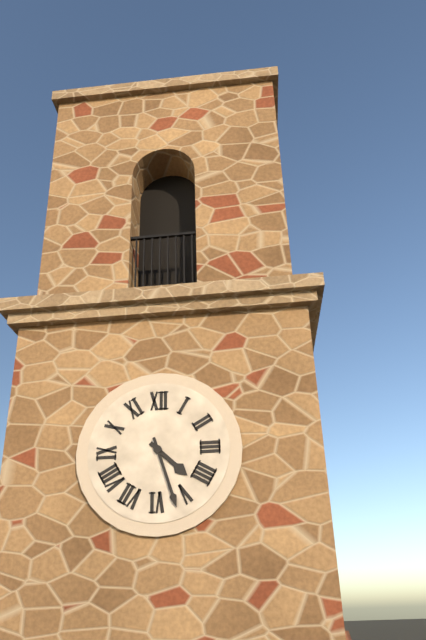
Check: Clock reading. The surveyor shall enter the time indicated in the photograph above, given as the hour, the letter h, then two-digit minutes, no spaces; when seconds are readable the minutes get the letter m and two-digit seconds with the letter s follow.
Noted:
4h27
